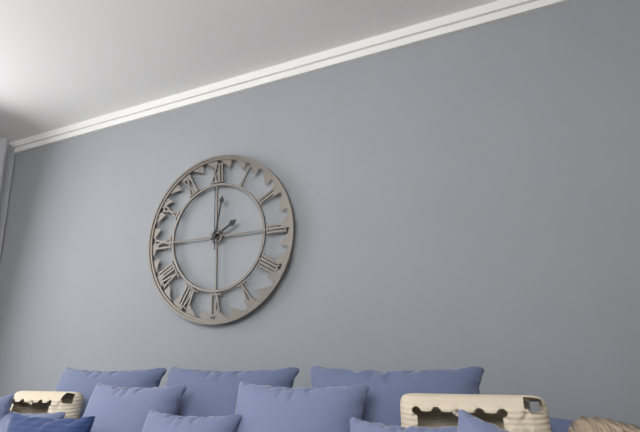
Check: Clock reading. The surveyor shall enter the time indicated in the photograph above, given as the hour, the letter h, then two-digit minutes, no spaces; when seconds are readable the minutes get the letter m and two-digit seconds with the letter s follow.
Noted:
2h02m00s
